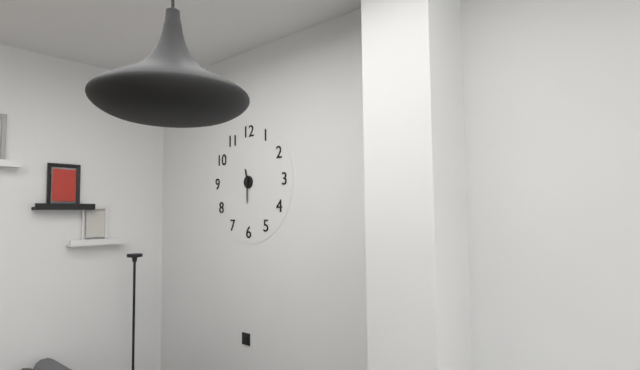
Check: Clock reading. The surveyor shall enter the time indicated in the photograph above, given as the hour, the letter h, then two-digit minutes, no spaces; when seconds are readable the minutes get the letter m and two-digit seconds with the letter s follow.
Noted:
11h30
